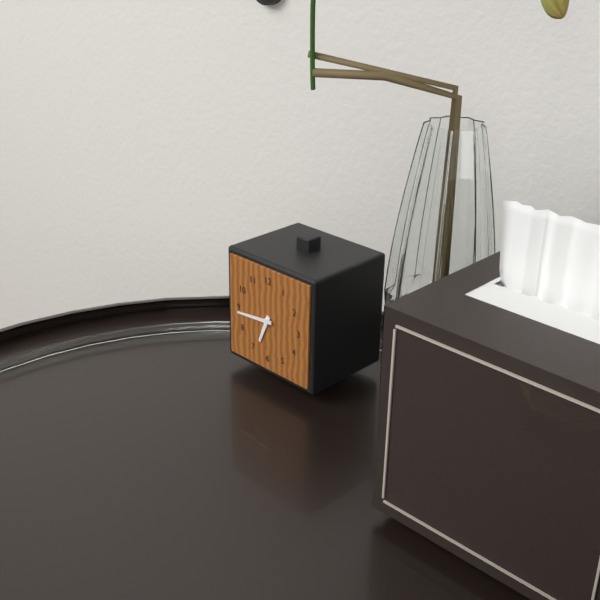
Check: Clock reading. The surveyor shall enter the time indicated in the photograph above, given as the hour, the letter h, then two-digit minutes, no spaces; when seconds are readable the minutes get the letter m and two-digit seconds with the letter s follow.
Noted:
6h44
